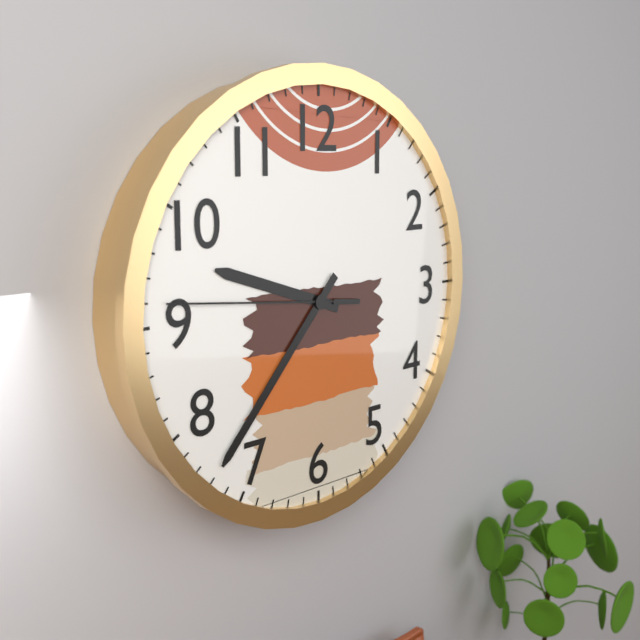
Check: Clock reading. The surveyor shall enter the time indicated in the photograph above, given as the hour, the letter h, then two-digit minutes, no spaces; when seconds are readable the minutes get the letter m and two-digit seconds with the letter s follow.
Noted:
9h37m46s
